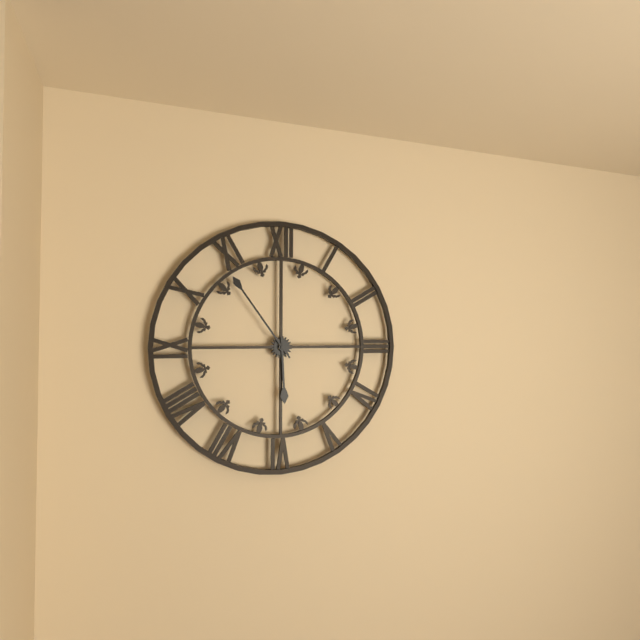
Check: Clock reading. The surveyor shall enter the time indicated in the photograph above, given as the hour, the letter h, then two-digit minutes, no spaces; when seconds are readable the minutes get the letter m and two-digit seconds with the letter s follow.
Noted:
5h54
